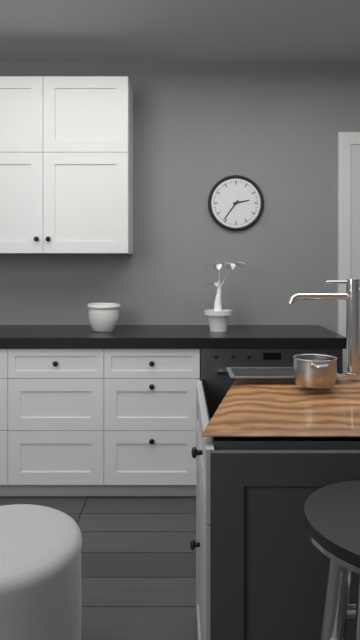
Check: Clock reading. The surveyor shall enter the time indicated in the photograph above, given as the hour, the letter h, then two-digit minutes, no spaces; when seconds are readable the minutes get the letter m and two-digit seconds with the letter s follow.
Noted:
2h36
